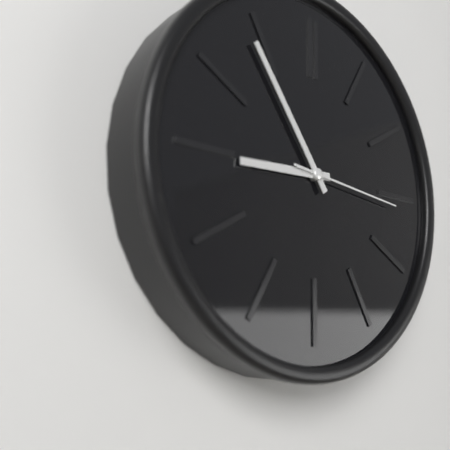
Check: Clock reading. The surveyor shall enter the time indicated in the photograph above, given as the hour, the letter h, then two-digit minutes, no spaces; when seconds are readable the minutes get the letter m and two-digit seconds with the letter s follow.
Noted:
8h54m16s
